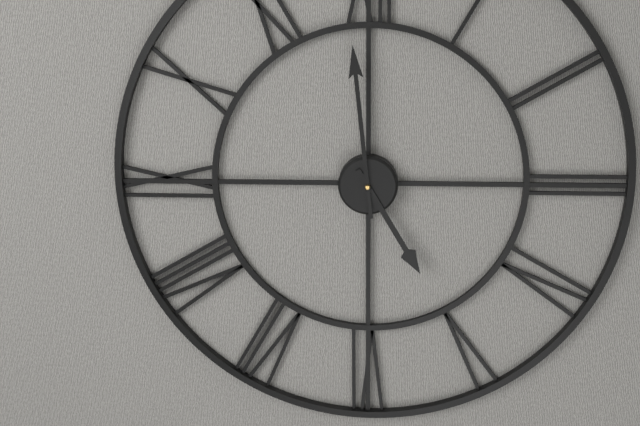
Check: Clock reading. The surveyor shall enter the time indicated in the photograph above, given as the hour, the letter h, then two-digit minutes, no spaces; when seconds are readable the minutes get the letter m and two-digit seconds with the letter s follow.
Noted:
4h59
